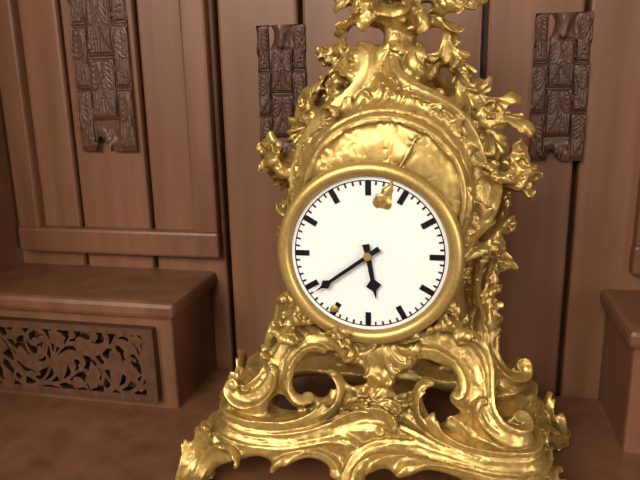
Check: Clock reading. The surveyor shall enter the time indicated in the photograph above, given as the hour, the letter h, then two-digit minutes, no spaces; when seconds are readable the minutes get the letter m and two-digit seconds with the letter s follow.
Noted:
5h39
